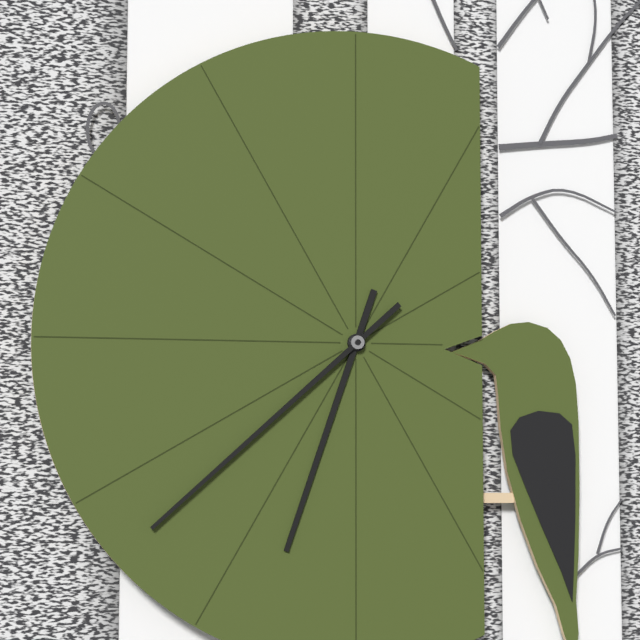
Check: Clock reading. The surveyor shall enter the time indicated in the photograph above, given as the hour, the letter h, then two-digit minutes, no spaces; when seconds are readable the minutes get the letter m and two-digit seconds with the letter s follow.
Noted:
6h38
